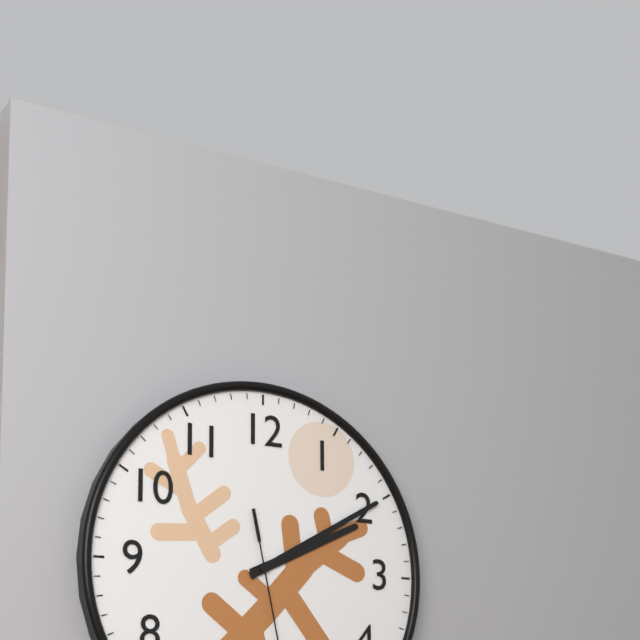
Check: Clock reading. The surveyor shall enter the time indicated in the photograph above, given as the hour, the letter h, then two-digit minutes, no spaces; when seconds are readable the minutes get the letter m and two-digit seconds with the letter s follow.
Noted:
2h10
